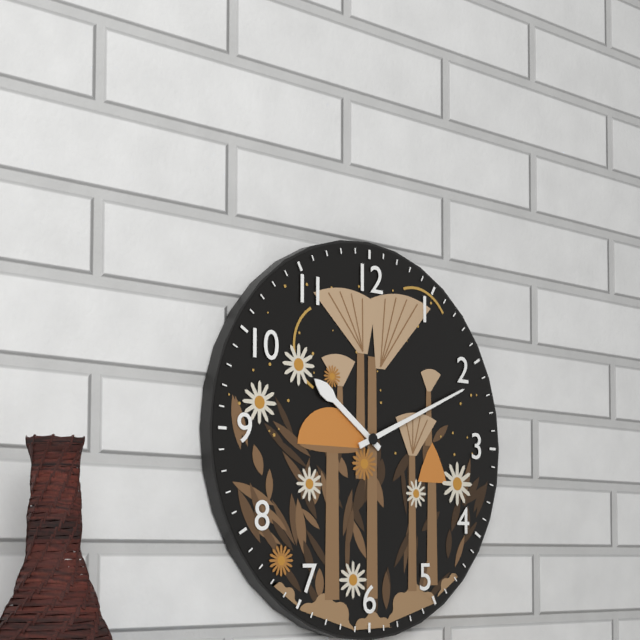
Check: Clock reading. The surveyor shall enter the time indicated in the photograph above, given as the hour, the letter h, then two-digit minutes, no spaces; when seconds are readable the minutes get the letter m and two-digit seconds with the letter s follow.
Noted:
10h11
